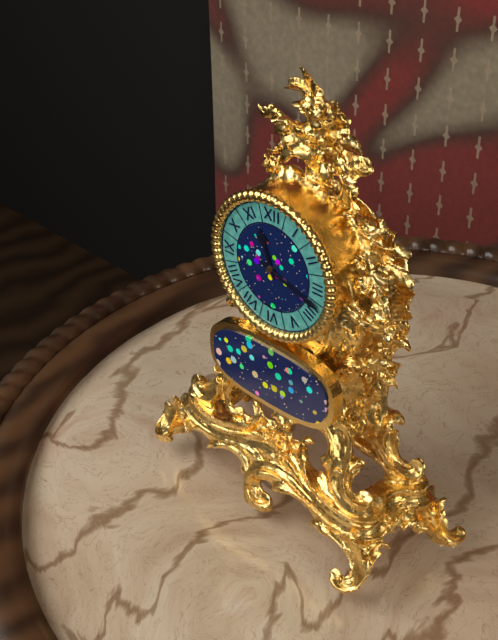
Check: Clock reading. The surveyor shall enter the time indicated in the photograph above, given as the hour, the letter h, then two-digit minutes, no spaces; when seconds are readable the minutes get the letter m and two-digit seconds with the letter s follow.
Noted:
11h18
